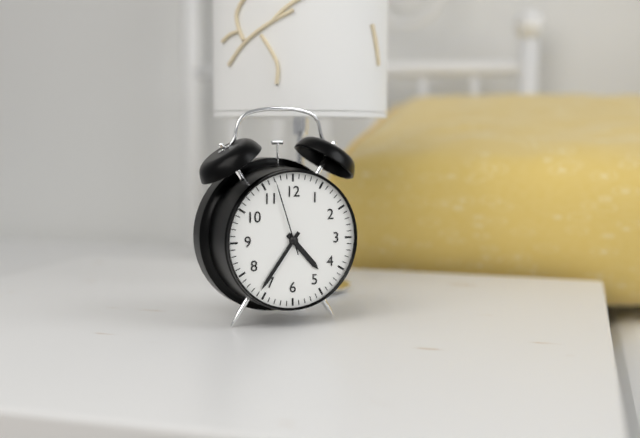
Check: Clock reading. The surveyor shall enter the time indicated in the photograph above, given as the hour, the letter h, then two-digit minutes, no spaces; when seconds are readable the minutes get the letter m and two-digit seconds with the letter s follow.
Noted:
4h36m57s
